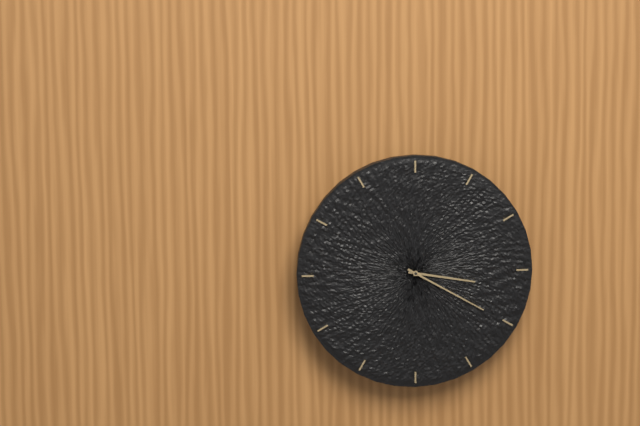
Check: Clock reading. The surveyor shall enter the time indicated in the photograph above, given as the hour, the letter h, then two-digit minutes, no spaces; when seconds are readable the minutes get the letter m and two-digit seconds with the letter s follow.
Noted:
3h20
